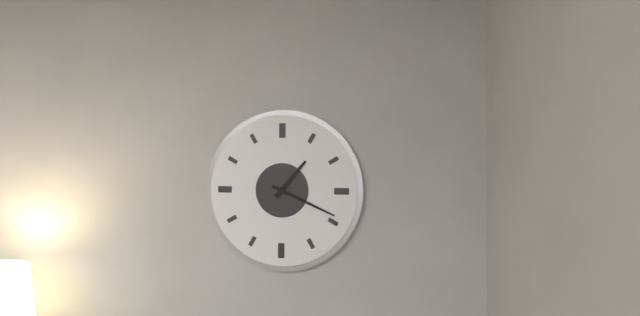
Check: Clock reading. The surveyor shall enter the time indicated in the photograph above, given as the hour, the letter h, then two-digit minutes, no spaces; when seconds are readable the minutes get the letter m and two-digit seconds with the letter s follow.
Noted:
1h19
